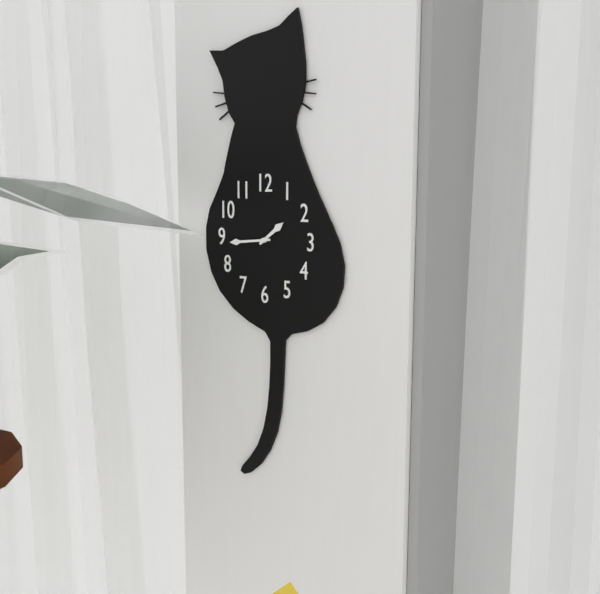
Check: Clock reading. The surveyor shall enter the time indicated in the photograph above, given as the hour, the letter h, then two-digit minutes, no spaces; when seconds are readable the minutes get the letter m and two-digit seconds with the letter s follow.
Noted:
1h44
